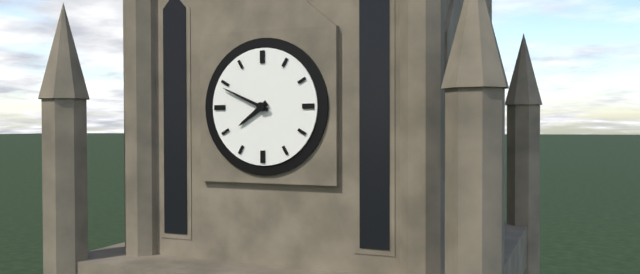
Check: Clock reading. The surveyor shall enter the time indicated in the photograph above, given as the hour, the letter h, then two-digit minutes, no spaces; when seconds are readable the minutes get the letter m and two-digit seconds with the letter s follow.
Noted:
7h49
